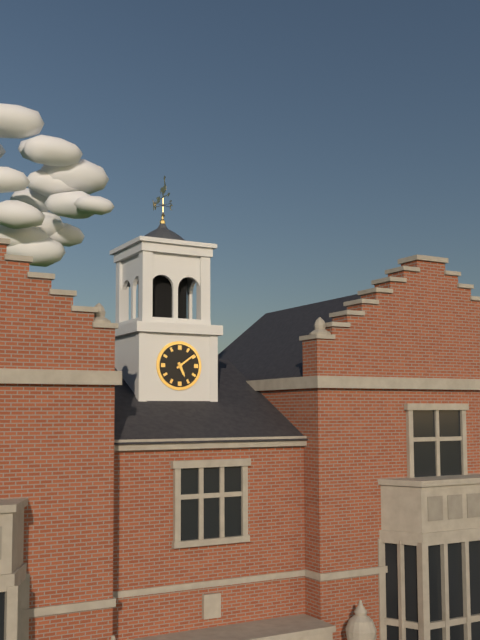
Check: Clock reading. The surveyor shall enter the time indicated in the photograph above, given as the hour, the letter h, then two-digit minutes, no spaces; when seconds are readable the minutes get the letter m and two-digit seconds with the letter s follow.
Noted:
5h09
